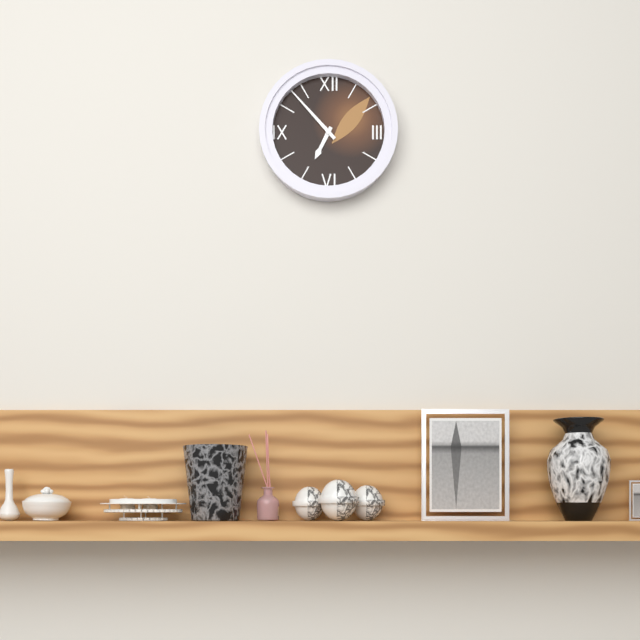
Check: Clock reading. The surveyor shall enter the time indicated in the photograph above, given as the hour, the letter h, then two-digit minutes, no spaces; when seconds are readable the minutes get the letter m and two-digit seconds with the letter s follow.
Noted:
6h53
